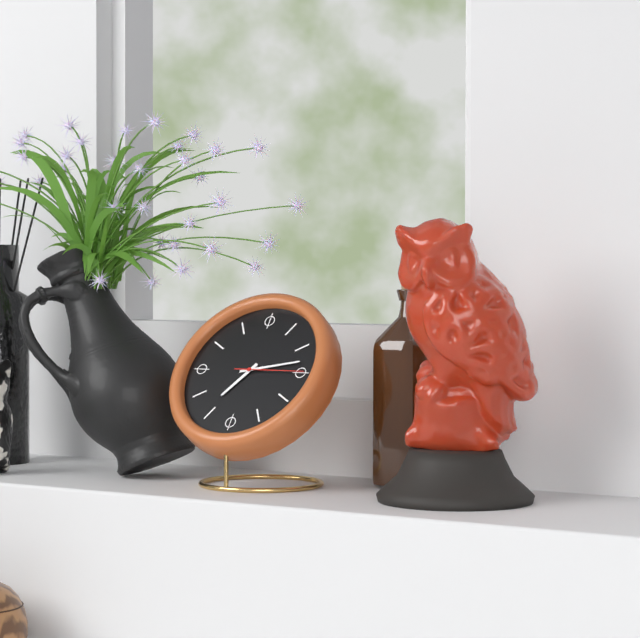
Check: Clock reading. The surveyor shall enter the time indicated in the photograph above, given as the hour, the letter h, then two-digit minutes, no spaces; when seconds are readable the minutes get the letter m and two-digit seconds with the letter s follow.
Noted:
7h13m15s
